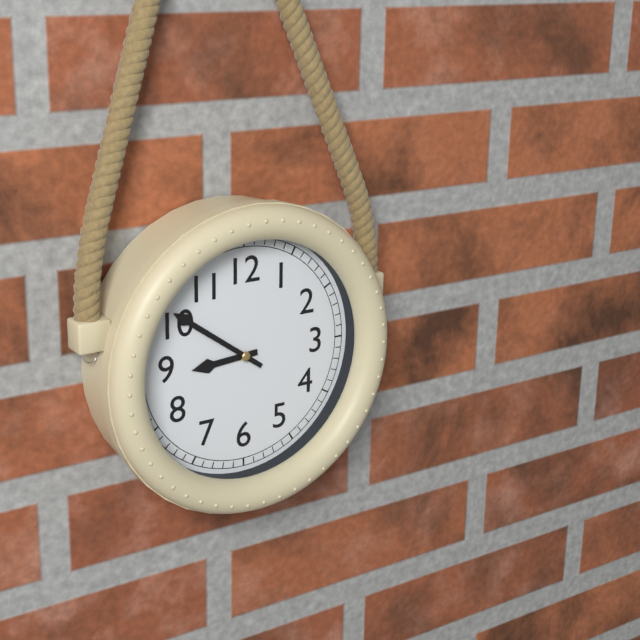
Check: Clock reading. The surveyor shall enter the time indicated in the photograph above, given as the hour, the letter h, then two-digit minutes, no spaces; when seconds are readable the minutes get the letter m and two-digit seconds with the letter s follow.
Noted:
8h51
